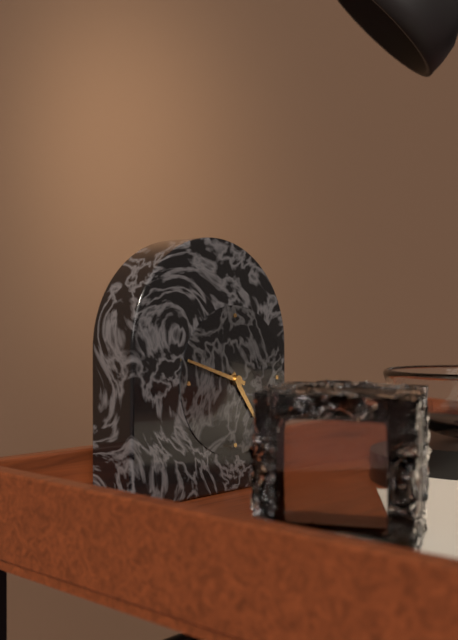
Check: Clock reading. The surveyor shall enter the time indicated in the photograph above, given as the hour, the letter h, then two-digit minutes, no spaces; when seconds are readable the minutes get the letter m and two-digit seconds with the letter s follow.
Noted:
4h48
